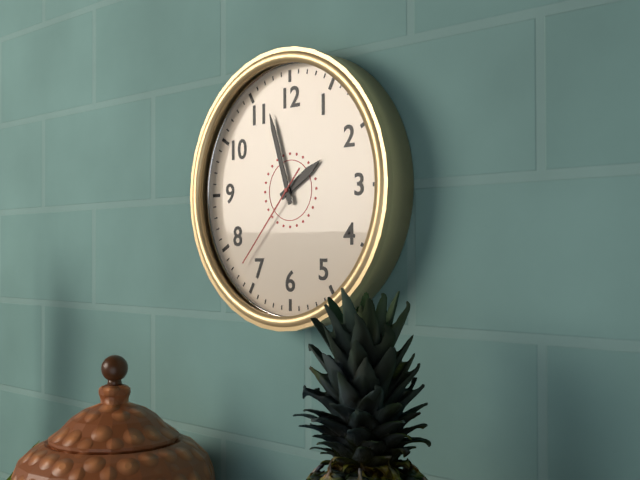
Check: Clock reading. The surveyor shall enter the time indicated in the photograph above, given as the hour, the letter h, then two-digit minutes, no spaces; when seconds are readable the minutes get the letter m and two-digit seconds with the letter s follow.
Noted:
1h57m37s
